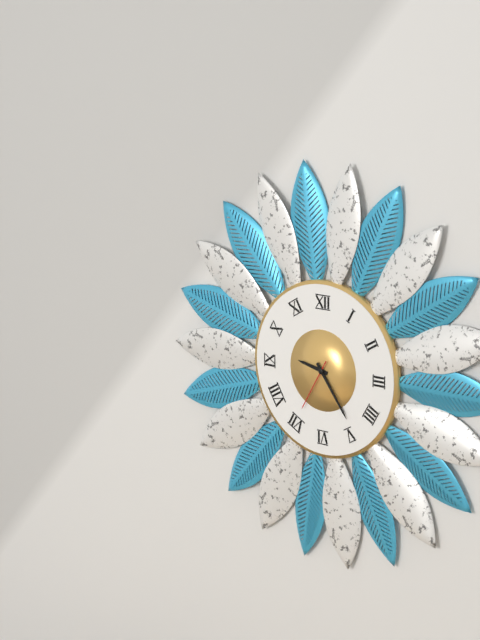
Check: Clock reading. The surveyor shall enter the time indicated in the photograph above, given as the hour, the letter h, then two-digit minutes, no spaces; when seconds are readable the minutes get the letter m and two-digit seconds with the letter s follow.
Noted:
9h24m35s
